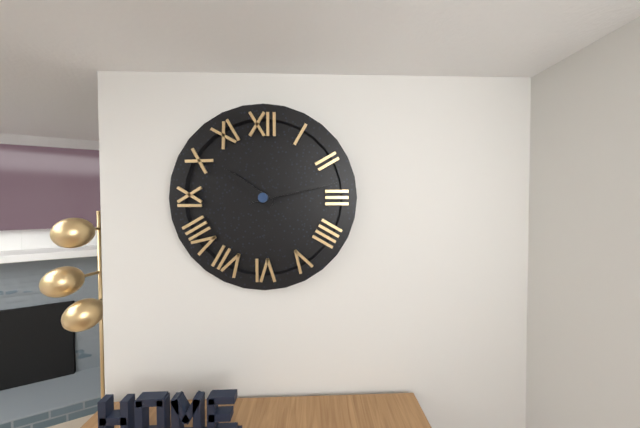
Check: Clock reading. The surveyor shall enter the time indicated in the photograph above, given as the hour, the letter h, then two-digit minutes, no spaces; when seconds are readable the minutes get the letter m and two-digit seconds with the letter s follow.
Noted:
10h13
